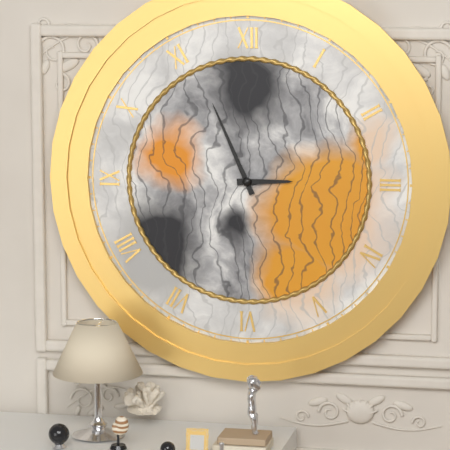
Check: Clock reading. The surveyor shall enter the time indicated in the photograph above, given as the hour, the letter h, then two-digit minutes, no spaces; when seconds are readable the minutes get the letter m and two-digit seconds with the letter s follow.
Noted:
2h56
